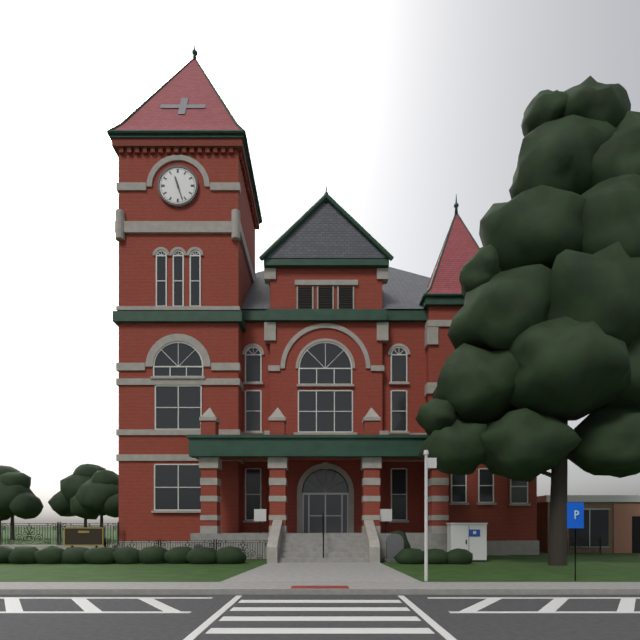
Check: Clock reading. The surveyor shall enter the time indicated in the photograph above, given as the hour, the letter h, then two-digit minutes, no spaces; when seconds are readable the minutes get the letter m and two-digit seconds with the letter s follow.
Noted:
11h27
